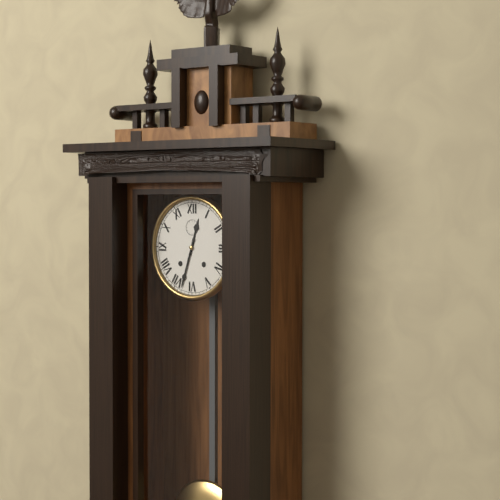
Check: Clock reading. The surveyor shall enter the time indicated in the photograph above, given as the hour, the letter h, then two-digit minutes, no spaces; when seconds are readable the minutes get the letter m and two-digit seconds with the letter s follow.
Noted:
12h33
